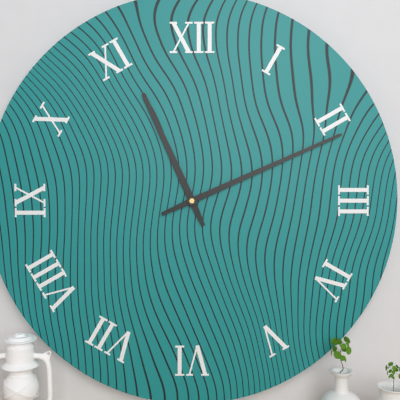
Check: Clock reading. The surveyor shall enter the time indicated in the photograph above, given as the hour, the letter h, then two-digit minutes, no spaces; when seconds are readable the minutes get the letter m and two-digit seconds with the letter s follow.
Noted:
11h11
